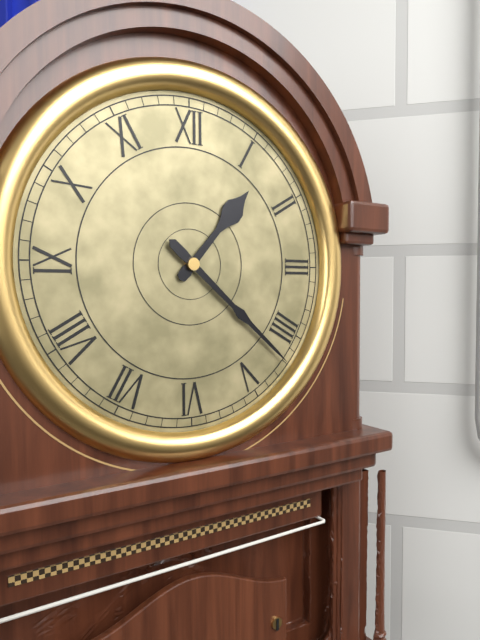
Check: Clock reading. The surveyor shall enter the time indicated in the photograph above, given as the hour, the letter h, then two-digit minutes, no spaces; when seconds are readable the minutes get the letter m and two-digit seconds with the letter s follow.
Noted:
1h22
